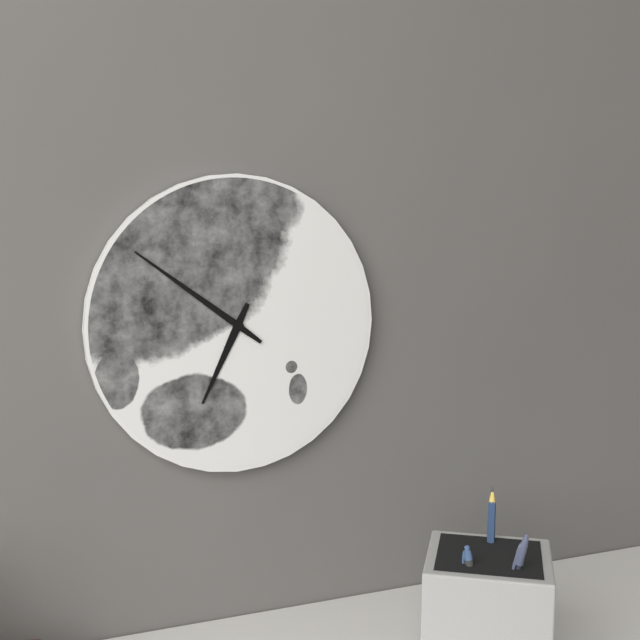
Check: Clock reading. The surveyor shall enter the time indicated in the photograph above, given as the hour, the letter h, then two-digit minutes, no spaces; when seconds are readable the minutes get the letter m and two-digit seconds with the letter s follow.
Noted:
6h51
